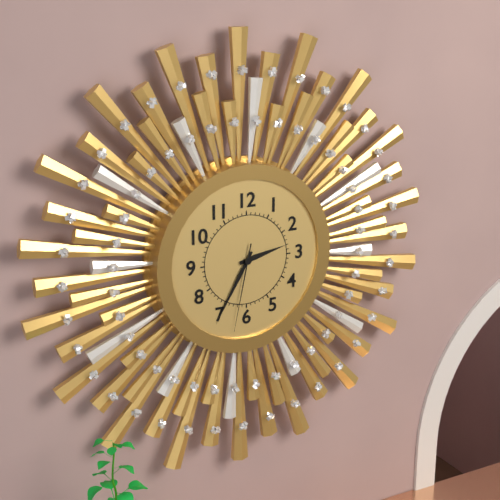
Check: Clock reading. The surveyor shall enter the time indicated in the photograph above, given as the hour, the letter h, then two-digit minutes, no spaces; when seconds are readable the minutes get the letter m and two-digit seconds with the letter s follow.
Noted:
2h35m32s
